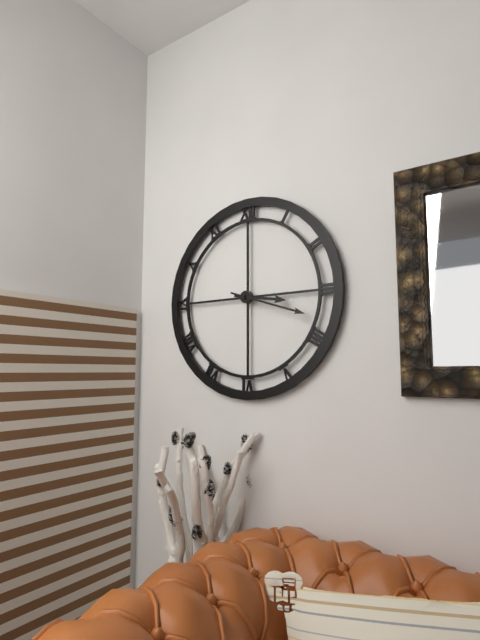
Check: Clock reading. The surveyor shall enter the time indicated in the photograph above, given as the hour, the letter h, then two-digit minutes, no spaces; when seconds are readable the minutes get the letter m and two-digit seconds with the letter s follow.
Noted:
3h18
